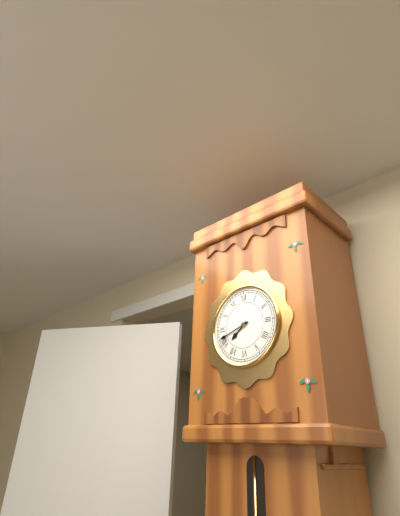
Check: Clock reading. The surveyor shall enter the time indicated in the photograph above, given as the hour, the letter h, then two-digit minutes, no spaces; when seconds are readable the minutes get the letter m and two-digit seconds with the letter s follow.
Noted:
7h42
